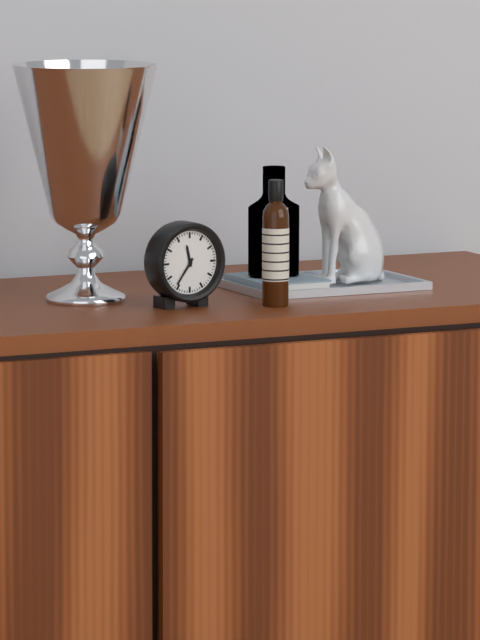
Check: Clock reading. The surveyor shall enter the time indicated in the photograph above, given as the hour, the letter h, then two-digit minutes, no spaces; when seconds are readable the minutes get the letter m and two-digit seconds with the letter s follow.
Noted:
11h36
